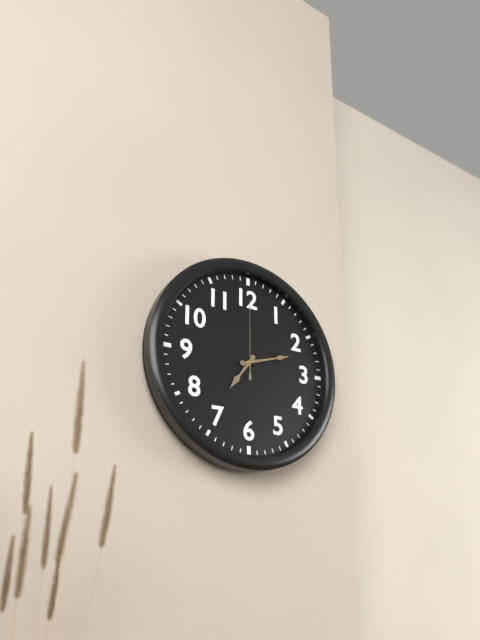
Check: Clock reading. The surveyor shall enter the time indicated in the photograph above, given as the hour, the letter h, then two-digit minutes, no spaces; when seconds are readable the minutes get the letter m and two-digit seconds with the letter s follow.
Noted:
7h12m00s
